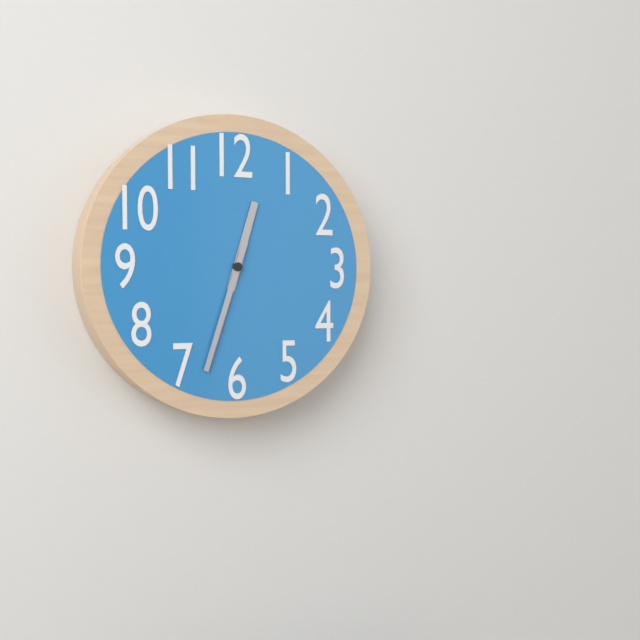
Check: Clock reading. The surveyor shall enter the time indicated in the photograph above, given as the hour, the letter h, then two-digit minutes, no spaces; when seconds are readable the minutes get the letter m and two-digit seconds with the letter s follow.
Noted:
12h33
